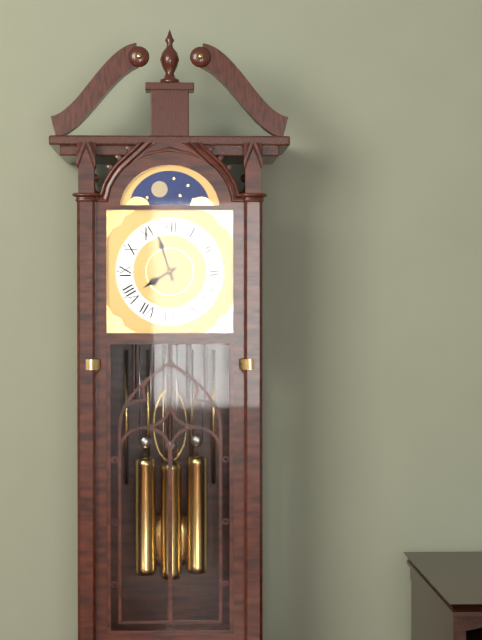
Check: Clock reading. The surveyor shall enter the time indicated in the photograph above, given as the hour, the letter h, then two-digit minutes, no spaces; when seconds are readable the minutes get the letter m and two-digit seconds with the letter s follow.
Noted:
7h57
